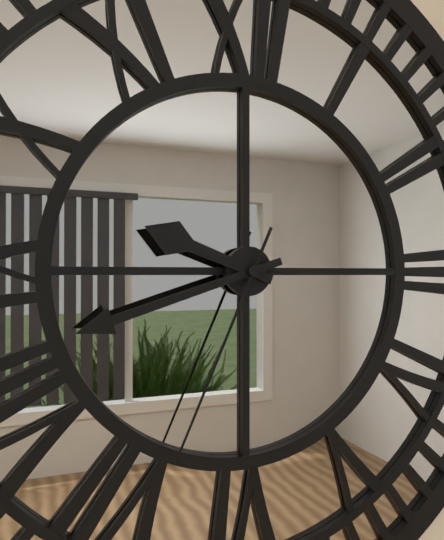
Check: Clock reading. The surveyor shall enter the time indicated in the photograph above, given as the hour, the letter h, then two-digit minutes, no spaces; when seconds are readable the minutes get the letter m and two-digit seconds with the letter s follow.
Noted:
9h42m34s
